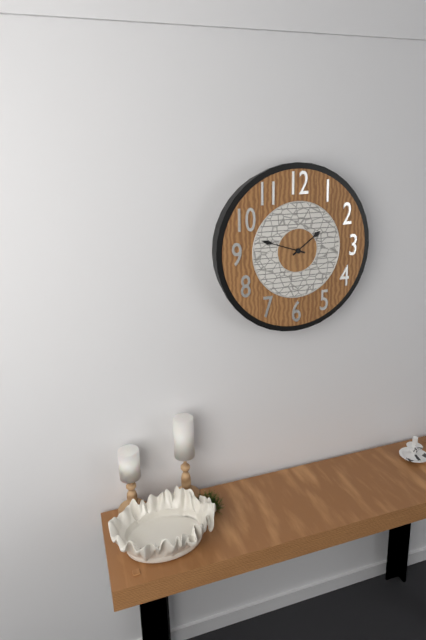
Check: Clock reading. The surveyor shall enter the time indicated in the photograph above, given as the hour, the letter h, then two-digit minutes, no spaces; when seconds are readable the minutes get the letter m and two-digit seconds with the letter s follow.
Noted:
1h48
